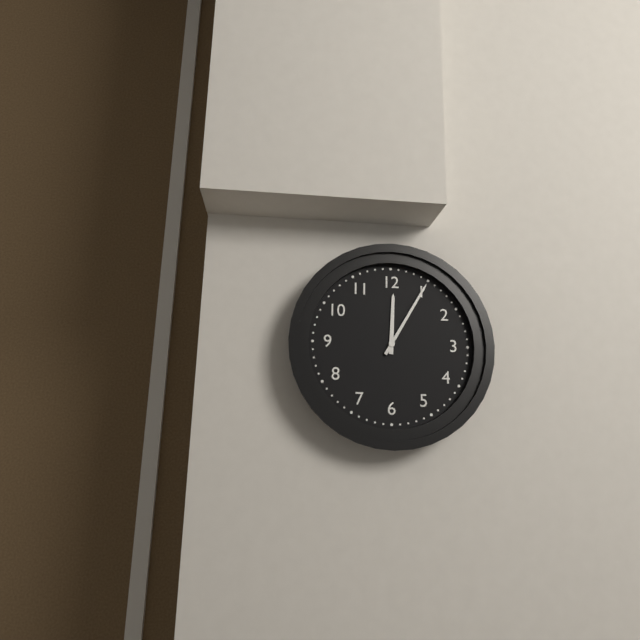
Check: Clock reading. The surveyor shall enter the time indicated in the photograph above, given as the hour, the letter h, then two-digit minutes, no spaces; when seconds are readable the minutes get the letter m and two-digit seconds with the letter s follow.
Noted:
12h05
